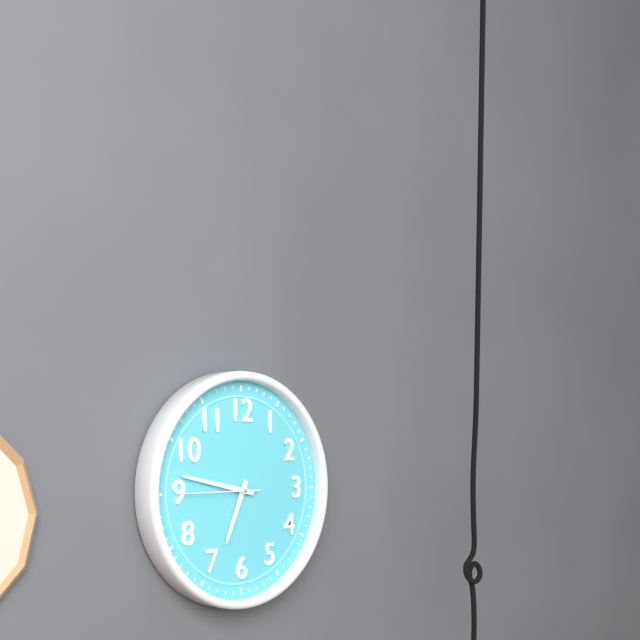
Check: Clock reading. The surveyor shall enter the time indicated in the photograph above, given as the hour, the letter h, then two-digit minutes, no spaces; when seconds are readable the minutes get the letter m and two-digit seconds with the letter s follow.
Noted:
6h47m45s
